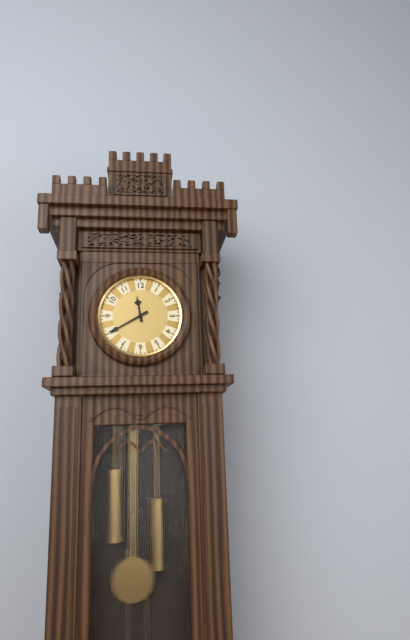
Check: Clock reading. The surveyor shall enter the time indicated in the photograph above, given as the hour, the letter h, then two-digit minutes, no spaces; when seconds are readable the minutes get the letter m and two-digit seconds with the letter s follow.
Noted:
11h40
